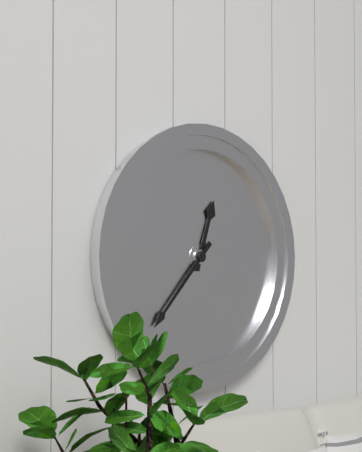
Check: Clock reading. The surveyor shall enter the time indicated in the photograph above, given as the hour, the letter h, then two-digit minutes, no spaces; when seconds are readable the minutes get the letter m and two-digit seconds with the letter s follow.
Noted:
12h37
